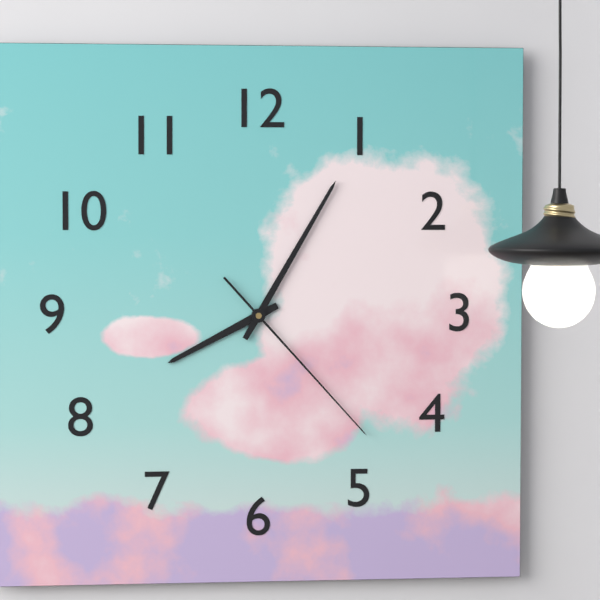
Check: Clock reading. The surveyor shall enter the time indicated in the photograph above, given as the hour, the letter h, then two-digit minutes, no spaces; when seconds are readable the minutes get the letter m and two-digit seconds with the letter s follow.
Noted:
8h05m23s
